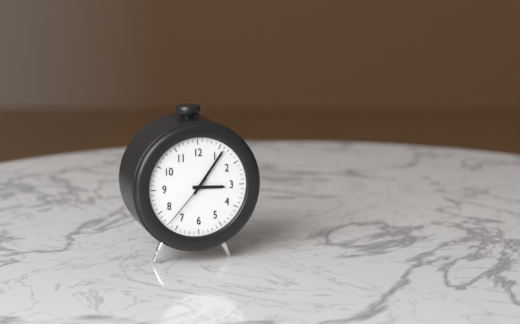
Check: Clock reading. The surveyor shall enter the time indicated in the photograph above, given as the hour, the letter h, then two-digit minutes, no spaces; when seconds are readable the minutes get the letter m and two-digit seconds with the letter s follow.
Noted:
3h06m37s
